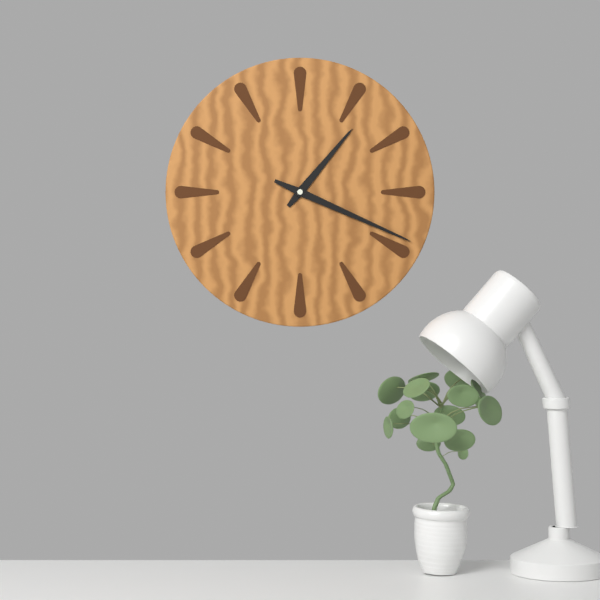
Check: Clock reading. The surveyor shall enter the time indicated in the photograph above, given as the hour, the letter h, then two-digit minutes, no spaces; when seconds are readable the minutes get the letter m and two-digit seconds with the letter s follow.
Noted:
1h19
